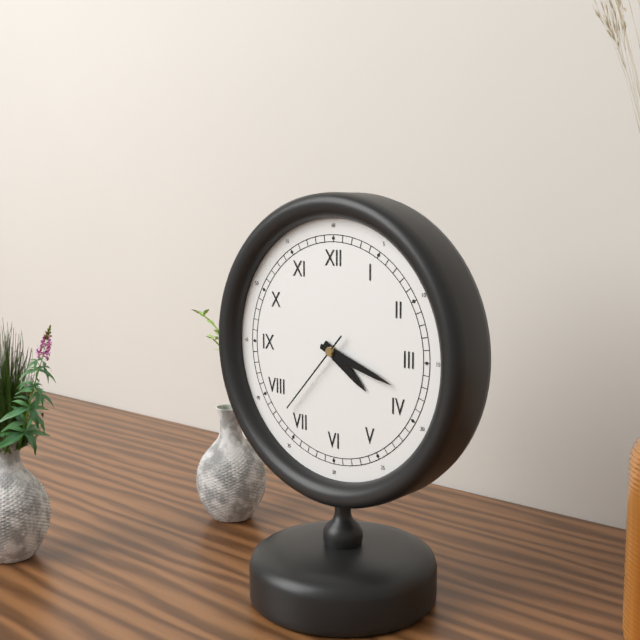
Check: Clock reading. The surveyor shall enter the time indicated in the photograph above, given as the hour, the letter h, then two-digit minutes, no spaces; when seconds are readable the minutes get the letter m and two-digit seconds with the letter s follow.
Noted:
4h18m37s
